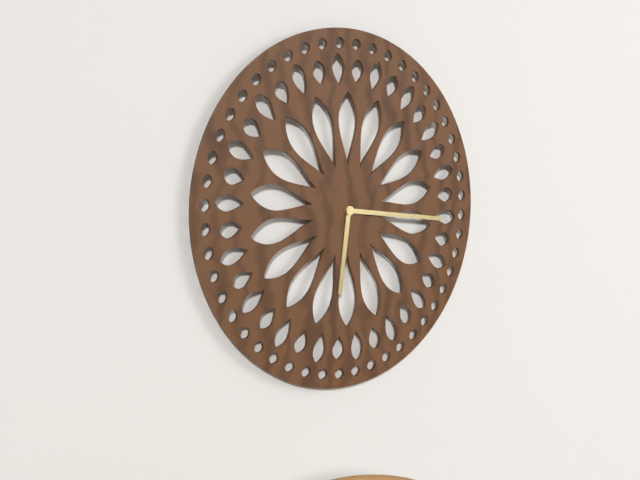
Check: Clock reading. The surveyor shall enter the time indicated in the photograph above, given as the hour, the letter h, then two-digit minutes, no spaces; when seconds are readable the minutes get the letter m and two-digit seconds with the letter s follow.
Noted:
6h16
